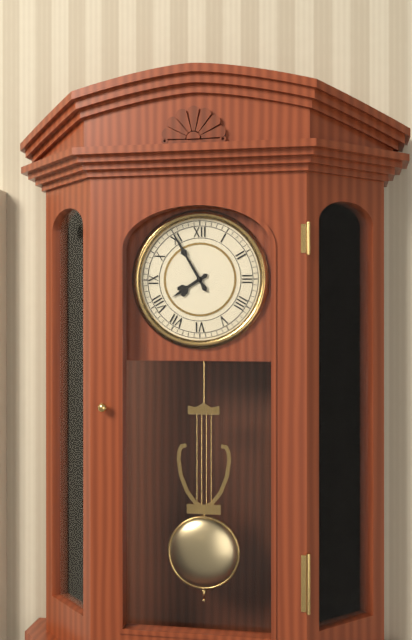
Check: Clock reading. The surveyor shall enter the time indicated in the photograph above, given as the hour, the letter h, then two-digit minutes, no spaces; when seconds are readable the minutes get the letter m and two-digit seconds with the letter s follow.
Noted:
7h55
